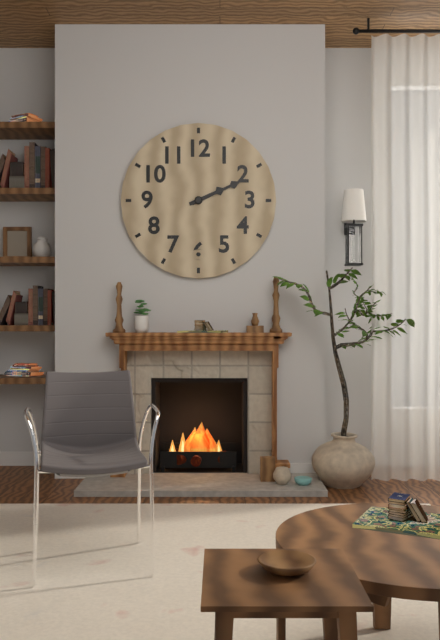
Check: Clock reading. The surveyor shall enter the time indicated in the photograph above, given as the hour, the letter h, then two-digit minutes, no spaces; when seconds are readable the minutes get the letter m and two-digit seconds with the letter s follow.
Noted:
2h11
